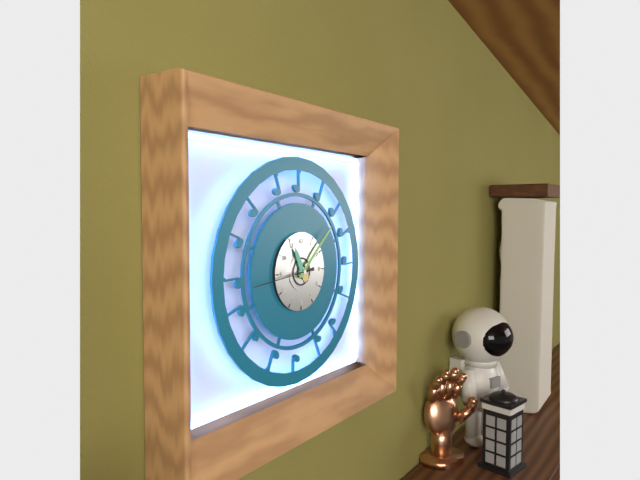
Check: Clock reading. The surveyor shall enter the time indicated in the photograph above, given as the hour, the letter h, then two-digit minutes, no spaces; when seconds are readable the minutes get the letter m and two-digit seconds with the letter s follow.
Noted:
11h08m44s
